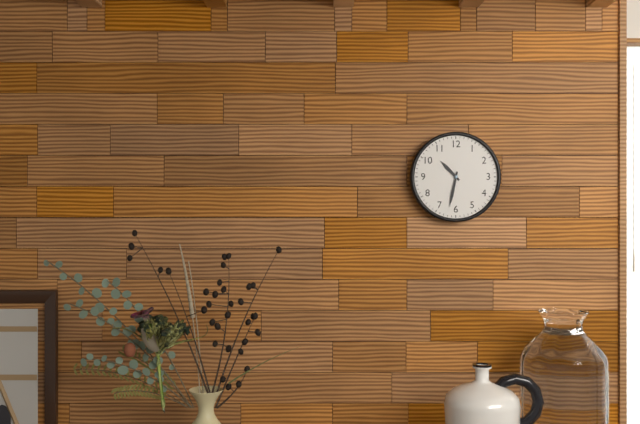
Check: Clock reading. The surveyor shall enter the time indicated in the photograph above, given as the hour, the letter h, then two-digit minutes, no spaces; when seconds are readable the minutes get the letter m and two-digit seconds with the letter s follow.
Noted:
10h32
